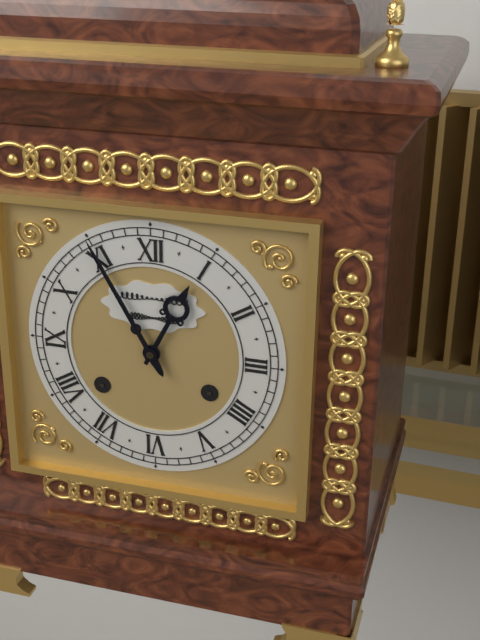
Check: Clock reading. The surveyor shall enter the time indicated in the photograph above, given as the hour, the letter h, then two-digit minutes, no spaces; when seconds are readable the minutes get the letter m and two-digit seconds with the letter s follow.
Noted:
12h55
